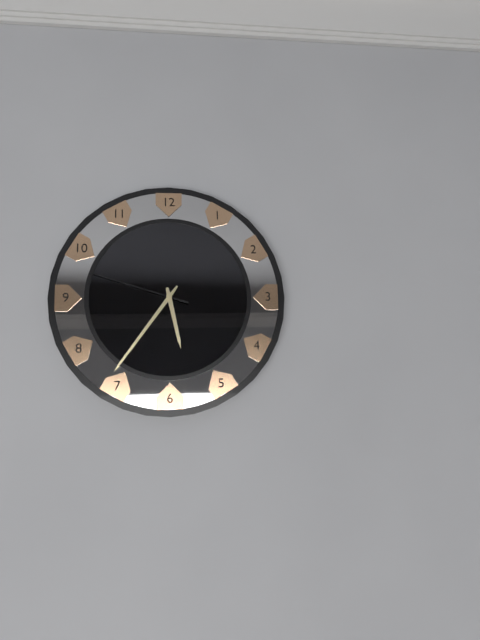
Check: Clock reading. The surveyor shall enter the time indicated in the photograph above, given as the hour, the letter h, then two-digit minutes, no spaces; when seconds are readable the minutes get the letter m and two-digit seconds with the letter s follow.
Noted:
5h36m48s
